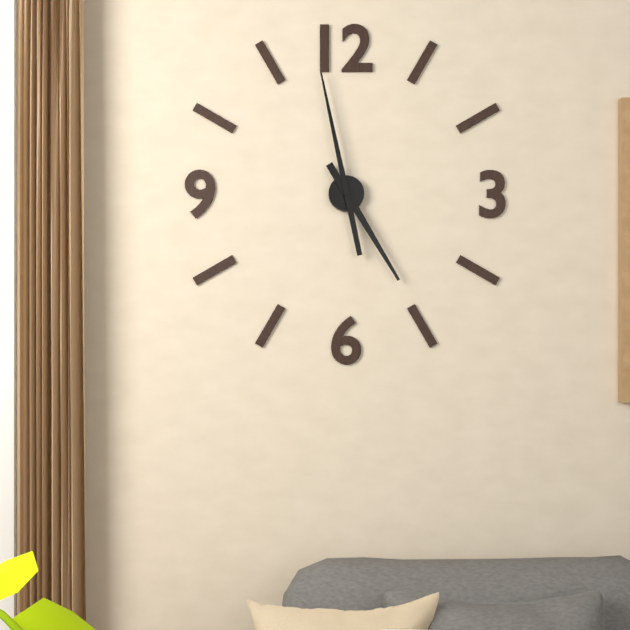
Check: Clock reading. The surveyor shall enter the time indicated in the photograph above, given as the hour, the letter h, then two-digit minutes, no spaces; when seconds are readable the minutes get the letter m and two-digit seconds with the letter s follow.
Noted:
4h58
